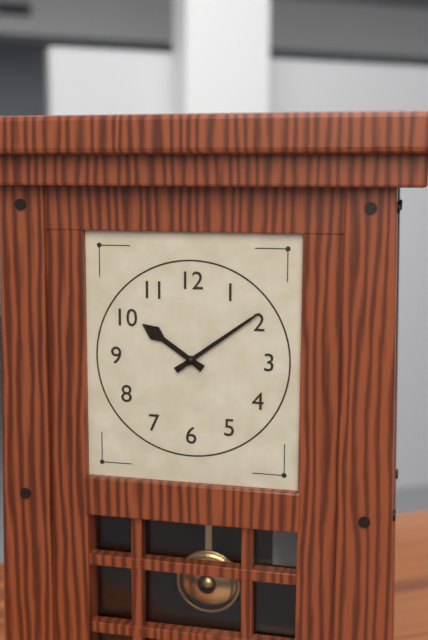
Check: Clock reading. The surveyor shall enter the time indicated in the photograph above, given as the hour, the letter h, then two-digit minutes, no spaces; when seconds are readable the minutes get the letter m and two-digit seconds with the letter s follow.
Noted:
10h09
